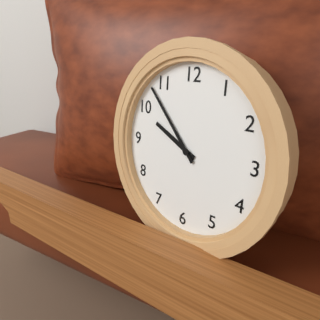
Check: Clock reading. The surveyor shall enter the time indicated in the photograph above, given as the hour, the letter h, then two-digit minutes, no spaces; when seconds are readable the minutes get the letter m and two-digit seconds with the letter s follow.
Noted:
9h53
